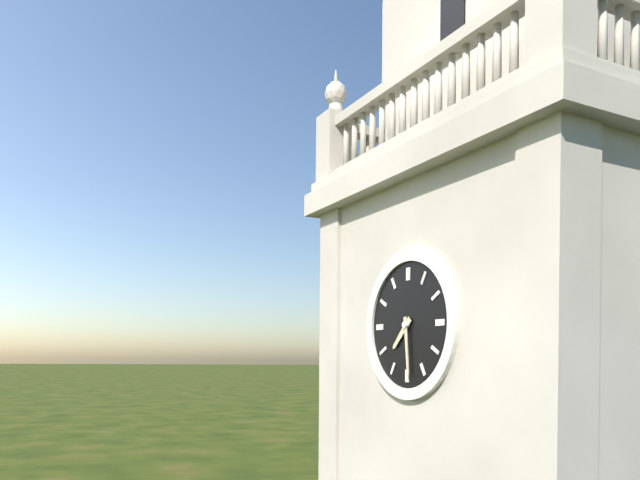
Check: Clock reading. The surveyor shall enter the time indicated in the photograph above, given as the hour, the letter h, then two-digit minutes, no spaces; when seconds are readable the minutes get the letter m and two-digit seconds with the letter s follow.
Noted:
7h29
